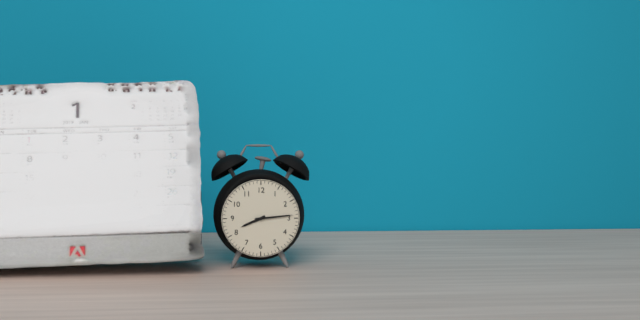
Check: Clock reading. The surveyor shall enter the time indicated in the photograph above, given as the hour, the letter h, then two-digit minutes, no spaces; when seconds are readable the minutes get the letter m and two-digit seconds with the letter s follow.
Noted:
8h14
